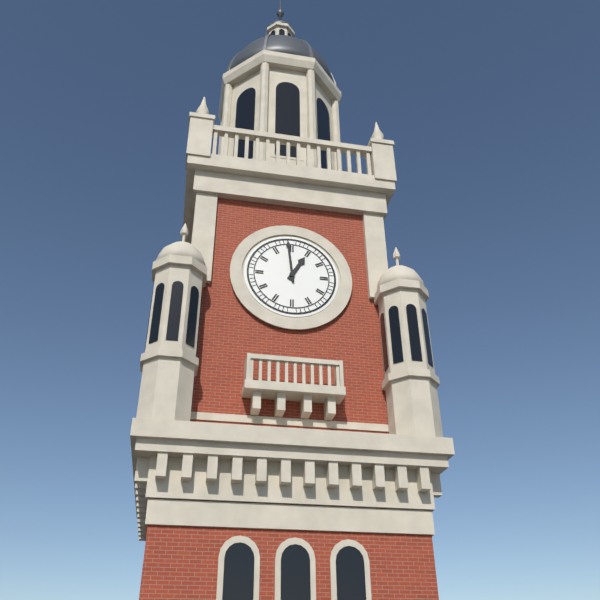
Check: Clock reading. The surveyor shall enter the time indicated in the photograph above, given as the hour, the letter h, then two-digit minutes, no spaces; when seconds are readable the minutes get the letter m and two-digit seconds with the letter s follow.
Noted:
12h59
